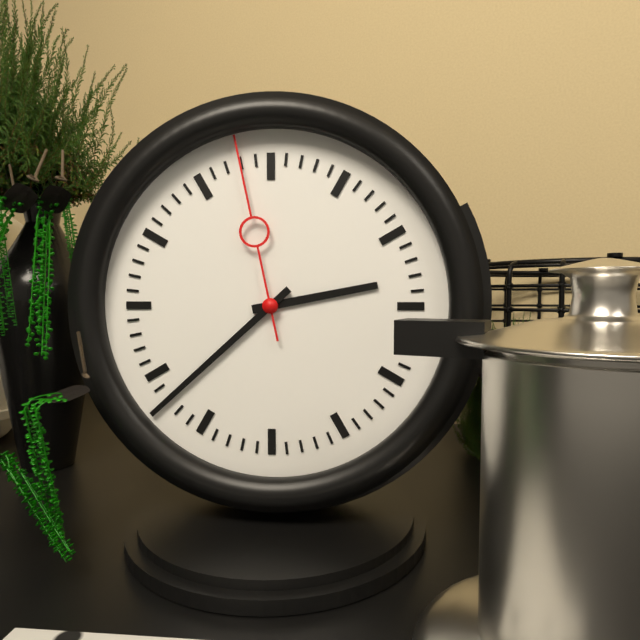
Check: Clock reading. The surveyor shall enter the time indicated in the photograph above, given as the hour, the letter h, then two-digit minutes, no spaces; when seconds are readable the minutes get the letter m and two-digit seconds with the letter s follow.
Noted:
2h38m58s
